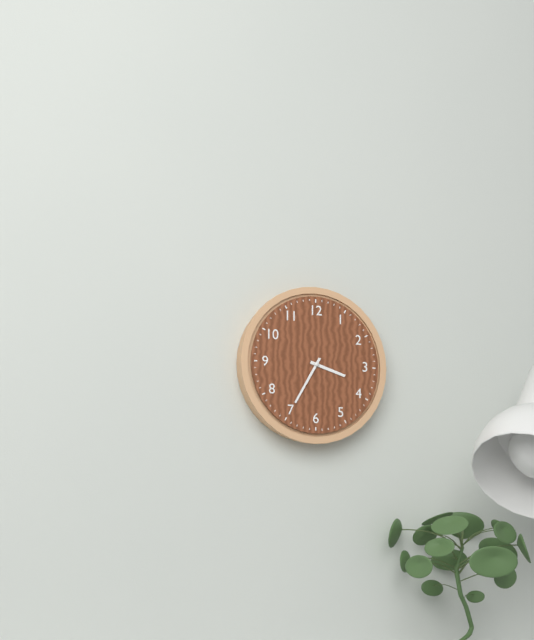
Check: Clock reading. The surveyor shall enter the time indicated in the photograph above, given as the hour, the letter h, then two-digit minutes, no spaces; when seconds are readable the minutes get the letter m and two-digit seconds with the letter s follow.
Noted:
3h35
